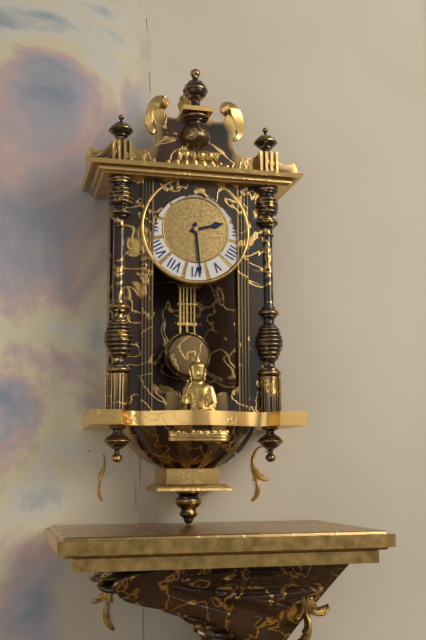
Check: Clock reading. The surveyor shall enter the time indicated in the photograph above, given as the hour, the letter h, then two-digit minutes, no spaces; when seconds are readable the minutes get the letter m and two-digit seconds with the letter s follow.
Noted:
2h29
